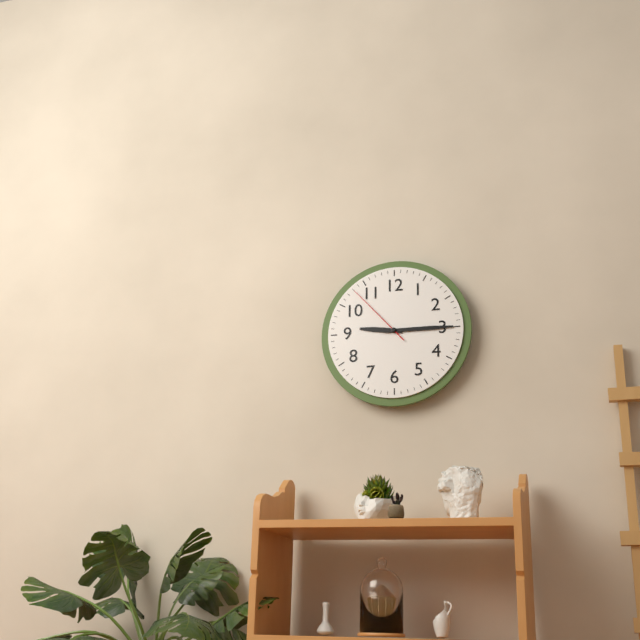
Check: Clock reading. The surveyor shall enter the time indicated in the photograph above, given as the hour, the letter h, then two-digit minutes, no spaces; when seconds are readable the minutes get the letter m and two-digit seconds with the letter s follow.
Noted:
9h15m53s
